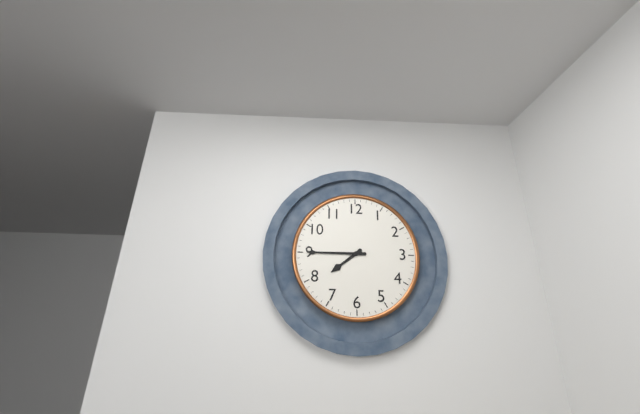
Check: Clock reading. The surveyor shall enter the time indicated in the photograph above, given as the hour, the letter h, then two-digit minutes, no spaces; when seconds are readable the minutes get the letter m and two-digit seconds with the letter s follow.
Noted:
7h45
